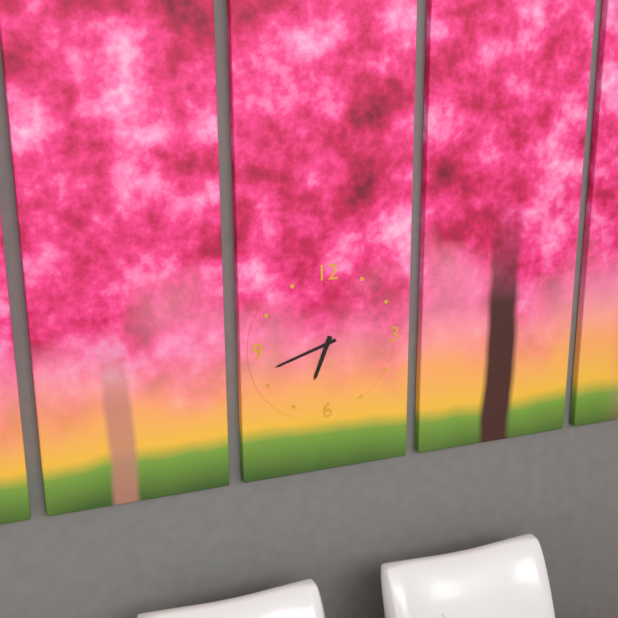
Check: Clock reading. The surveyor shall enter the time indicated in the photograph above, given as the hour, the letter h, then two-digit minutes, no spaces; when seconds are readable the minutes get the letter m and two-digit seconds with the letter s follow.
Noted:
6h42
